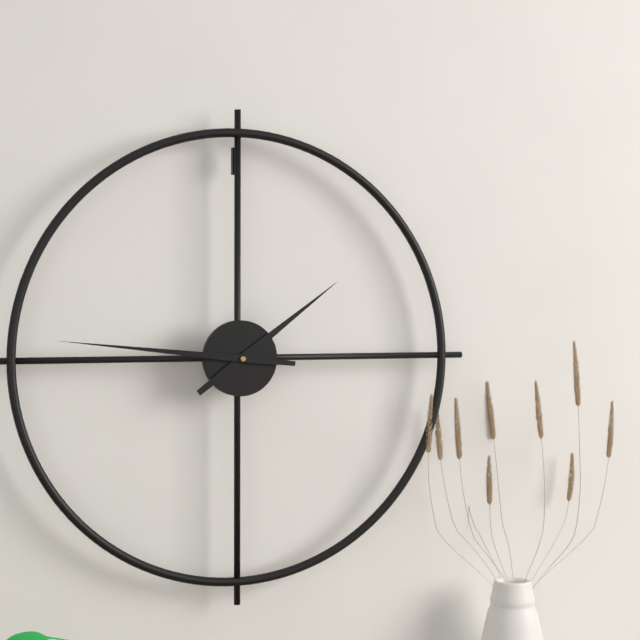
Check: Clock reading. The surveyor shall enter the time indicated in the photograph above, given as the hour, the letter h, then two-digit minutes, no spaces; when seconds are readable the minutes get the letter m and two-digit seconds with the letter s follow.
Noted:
1h46
